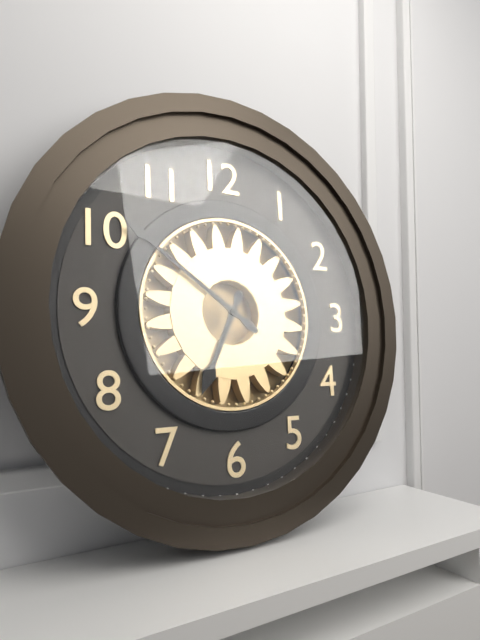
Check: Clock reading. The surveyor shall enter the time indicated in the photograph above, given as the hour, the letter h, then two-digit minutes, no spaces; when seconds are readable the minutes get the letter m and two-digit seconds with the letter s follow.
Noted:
6h51
